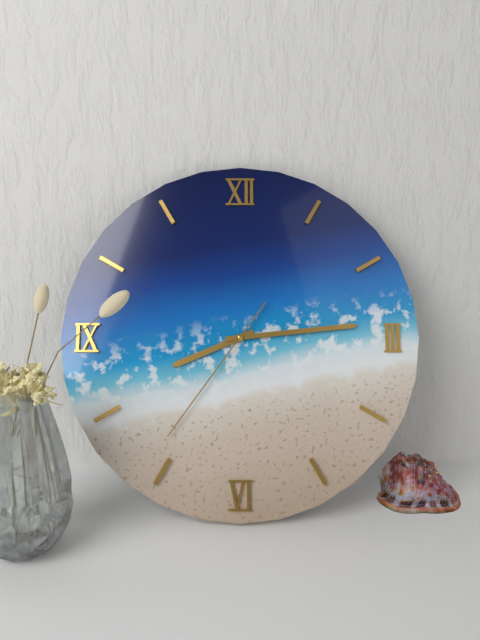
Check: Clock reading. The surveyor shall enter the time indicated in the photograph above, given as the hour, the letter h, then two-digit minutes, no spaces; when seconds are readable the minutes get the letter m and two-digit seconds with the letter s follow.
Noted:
8h14m36s
